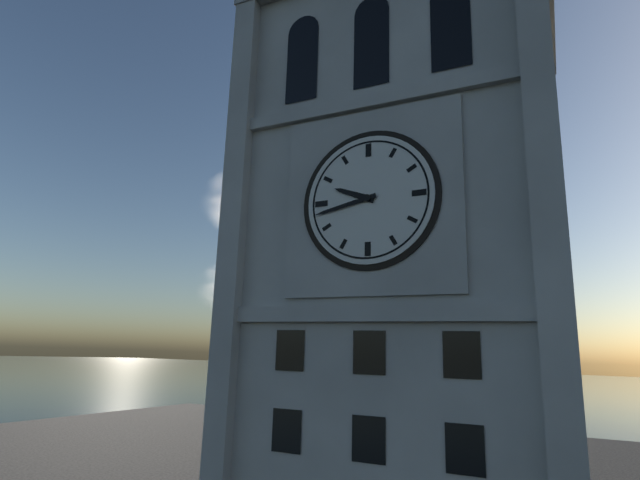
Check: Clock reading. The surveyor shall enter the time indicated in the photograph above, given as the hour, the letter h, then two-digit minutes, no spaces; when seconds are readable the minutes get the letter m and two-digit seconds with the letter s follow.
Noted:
9h43
